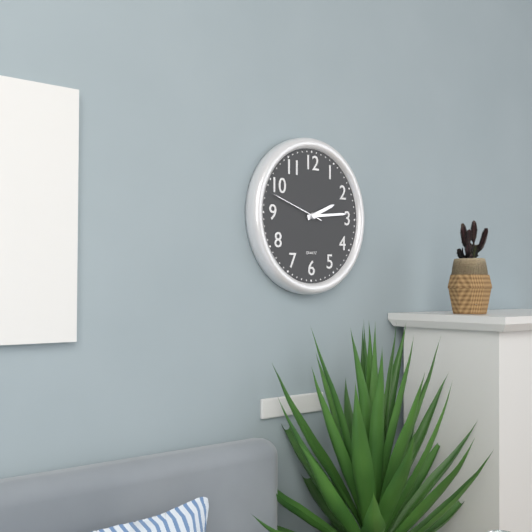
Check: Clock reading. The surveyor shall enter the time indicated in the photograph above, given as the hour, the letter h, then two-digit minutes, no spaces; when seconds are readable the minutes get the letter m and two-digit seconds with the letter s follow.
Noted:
2h14m48s
